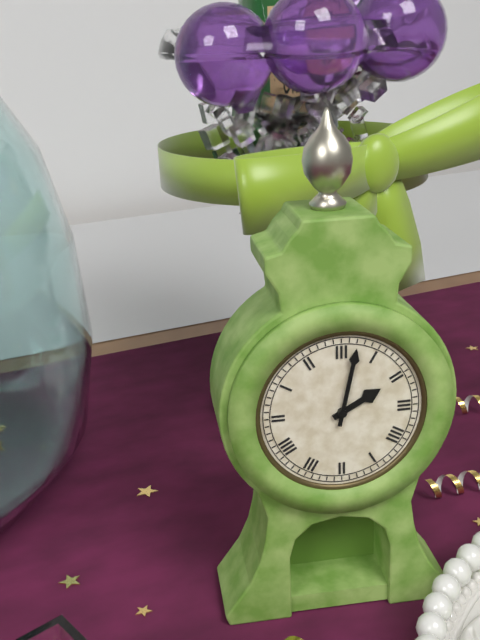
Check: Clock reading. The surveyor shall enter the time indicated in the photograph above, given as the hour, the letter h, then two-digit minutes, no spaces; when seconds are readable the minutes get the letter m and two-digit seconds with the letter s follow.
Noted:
2h02
